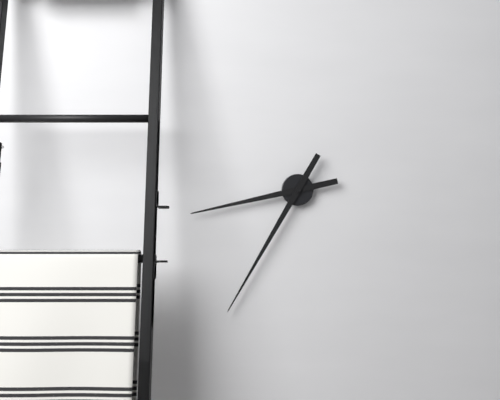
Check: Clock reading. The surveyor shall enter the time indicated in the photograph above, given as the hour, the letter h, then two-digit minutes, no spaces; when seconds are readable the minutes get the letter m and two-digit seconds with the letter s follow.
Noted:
8h35
